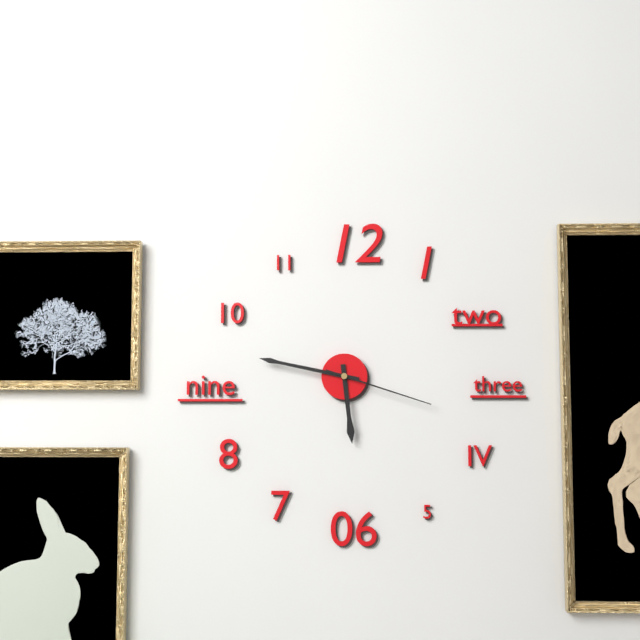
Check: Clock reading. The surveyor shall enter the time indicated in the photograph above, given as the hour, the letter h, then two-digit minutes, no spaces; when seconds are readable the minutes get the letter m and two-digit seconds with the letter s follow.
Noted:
5h47m18s
